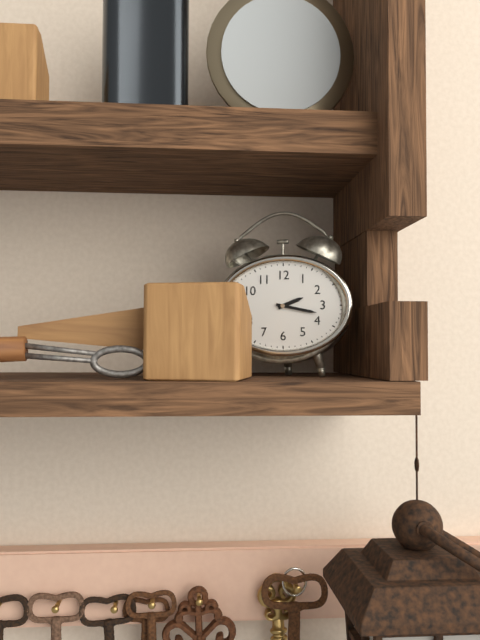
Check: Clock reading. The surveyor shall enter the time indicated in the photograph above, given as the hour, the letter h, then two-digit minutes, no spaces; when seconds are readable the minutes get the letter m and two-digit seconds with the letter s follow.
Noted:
2h17
